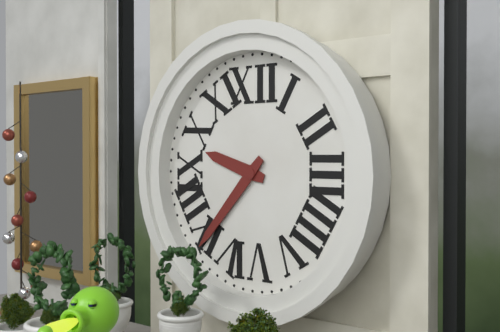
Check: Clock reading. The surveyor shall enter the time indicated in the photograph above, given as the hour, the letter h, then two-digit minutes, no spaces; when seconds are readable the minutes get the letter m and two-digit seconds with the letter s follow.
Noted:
9h37
